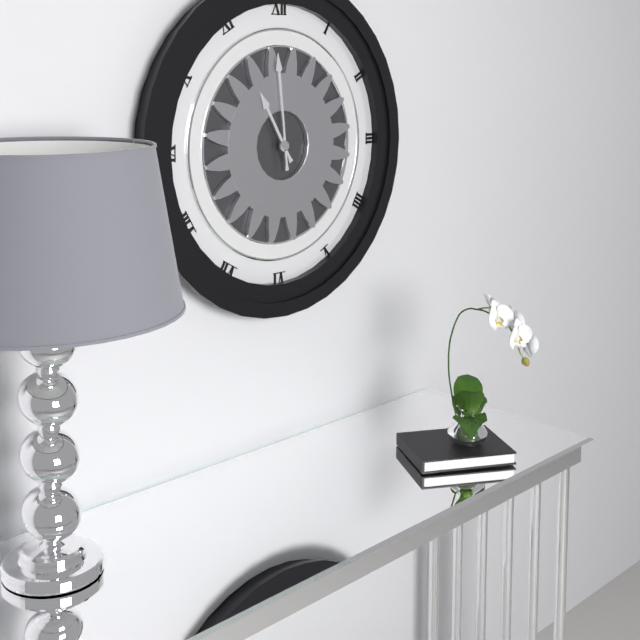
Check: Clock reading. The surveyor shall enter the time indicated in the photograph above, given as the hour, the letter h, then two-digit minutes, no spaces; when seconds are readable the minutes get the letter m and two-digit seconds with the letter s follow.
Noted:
10h59
